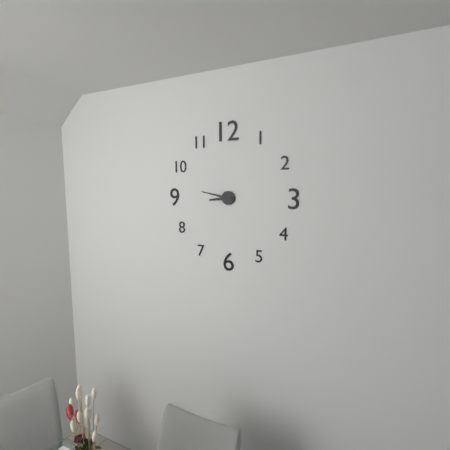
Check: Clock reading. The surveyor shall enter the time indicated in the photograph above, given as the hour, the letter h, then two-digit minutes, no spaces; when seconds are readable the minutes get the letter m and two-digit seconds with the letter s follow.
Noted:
8h47
